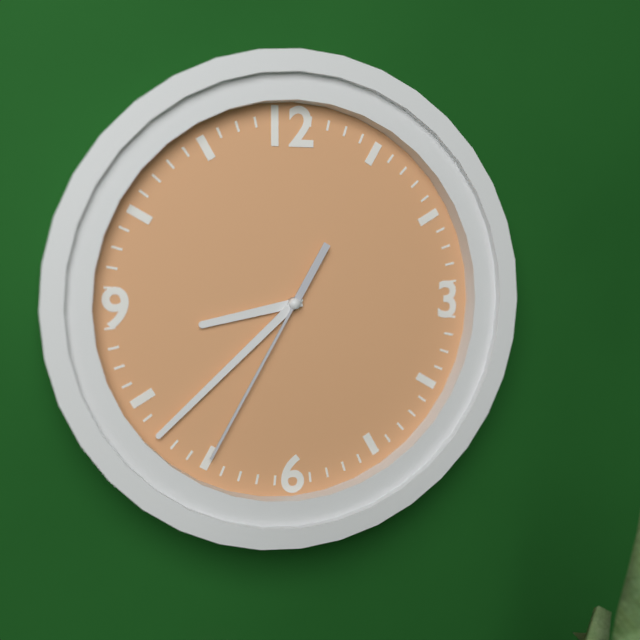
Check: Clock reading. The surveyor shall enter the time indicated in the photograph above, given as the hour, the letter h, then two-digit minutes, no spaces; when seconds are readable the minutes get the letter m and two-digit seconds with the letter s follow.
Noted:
8h38m35s
